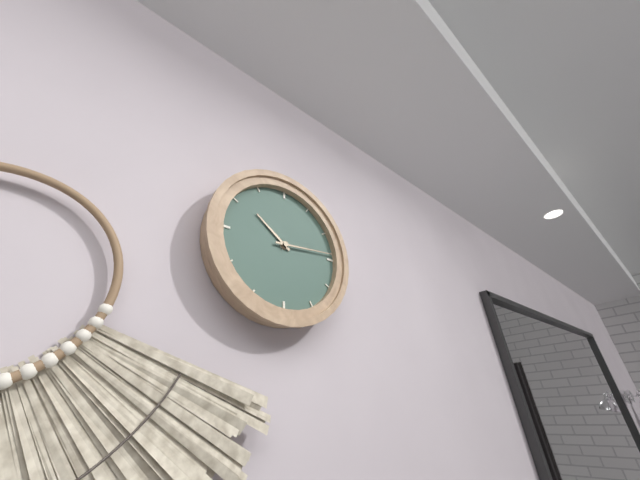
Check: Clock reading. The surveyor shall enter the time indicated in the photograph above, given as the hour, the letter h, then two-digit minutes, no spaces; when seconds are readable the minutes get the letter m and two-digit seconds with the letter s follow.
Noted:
10h14
